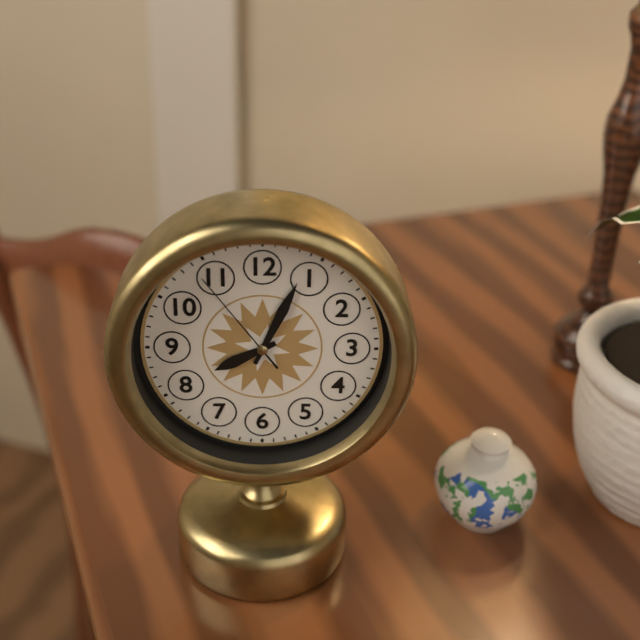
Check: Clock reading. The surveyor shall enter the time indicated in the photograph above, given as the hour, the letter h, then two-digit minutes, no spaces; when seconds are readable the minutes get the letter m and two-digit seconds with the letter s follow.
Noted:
8h04m54s
